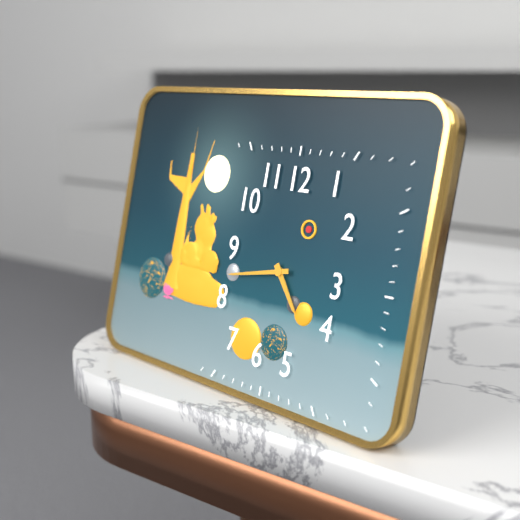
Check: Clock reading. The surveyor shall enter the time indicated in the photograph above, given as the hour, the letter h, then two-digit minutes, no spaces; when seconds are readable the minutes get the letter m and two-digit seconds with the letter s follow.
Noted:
4h43
